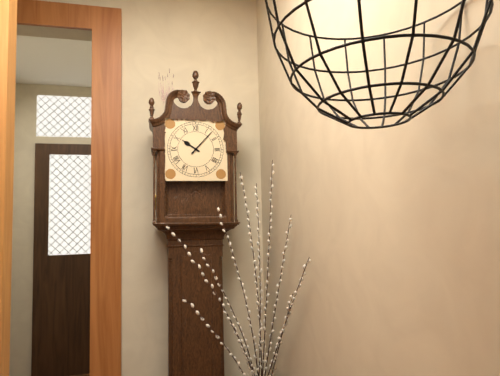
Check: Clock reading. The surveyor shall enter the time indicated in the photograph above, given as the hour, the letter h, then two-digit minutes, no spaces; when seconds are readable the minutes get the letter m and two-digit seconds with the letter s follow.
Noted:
10h07
